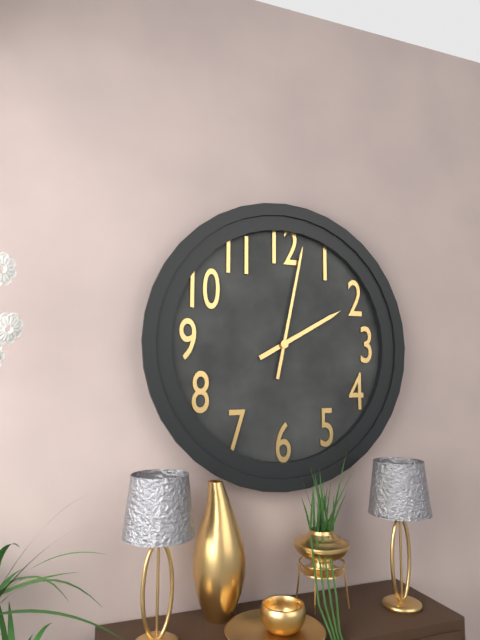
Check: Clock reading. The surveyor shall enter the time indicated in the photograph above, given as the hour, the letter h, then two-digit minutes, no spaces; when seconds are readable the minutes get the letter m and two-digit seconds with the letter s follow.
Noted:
2h02
